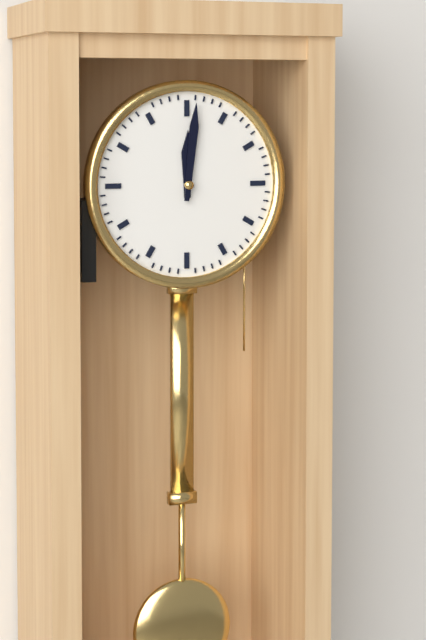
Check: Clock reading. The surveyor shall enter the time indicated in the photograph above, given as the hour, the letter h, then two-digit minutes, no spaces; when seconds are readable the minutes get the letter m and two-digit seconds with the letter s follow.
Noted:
12h01
